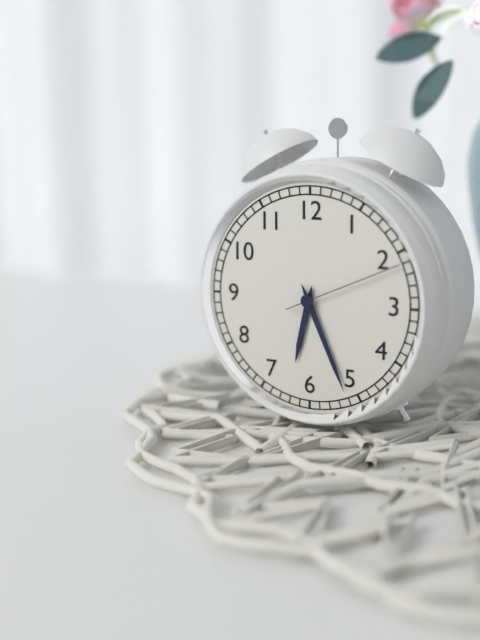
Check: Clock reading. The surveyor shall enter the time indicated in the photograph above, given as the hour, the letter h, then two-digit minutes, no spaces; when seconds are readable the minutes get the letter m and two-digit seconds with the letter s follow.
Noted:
6h26m11s
